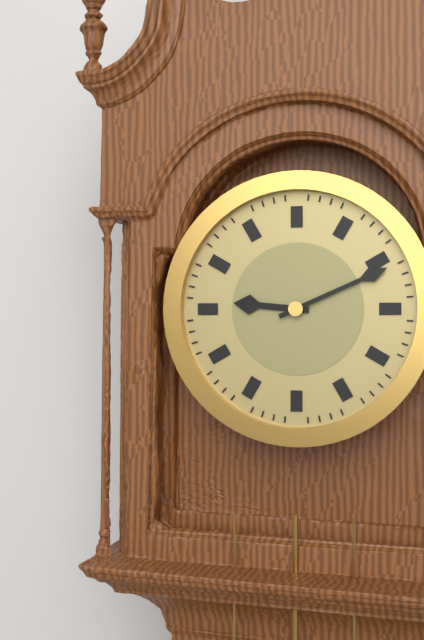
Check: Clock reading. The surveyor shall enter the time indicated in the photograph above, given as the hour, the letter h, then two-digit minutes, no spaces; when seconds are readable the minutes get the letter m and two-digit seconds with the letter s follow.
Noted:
9h11
